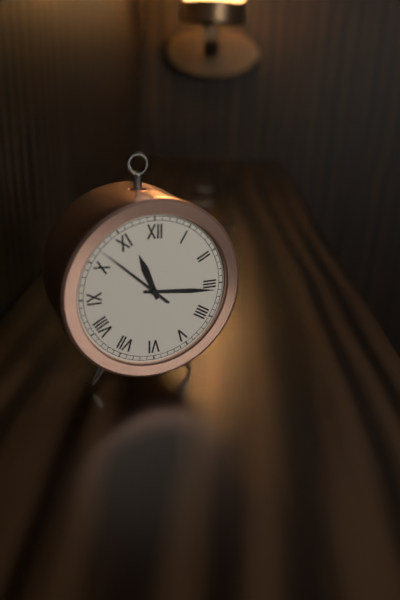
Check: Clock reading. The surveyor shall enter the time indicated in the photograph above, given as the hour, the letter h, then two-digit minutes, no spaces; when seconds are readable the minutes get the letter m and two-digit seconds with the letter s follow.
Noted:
11h16m52s
